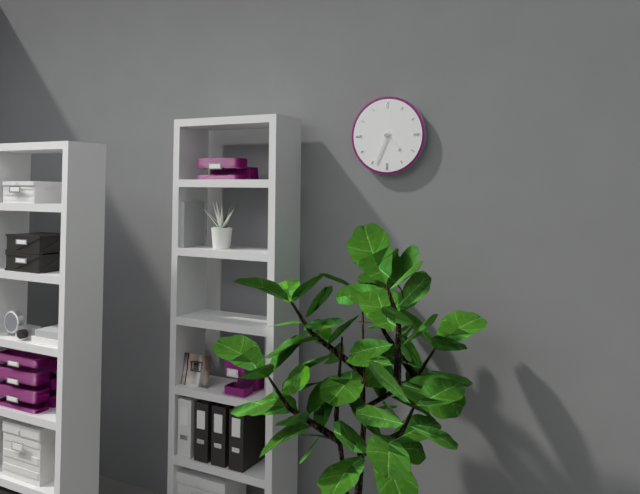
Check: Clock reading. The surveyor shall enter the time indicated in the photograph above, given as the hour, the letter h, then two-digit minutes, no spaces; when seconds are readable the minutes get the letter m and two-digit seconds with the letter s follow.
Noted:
4h34
